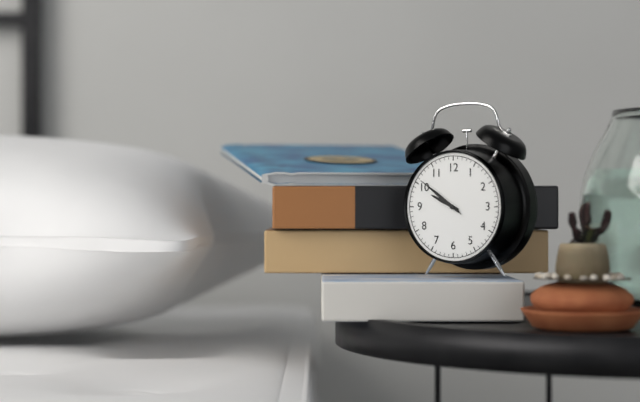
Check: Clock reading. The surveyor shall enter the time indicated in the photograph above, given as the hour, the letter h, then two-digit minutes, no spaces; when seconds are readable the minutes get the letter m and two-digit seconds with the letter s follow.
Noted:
9h51m51s
